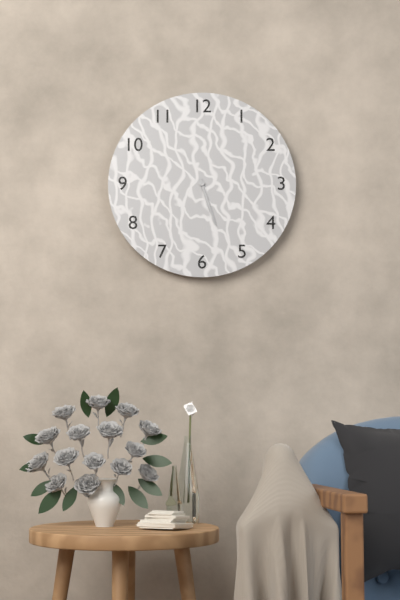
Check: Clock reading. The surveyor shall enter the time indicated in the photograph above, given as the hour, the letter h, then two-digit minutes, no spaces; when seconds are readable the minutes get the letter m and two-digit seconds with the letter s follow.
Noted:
5h27
